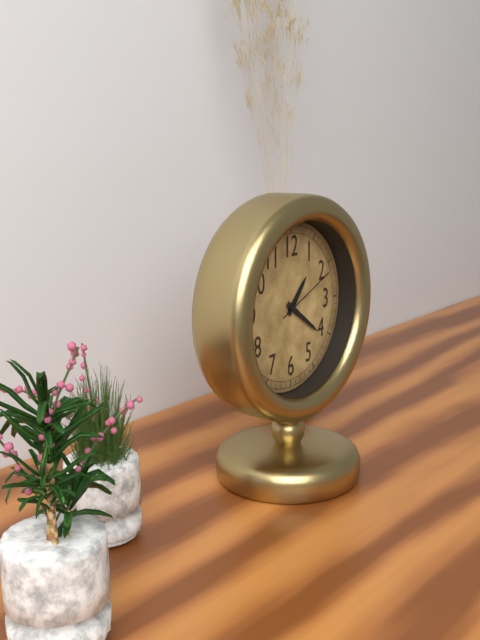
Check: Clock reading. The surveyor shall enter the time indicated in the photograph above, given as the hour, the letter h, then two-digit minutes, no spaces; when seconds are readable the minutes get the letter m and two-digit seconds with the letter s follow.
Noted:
1h21m11s
